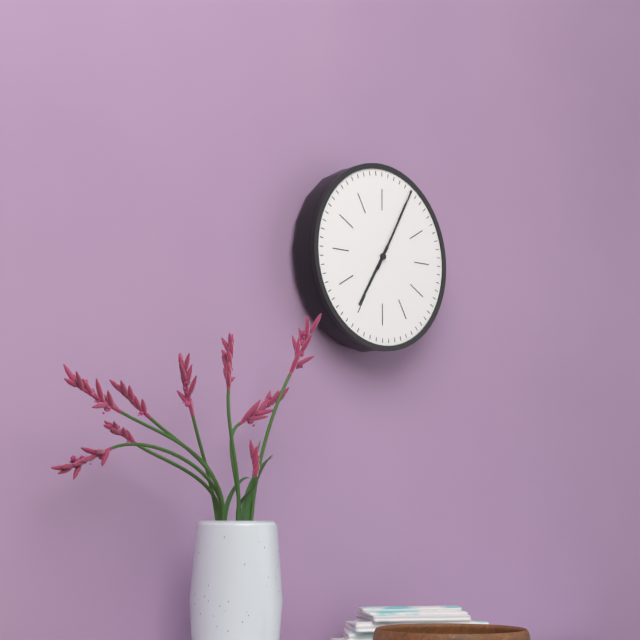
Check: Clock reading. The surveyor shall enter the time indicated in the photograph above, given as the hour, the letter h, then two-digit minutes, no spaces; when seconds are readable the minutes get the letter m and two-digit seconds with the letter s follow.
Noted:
7h05
